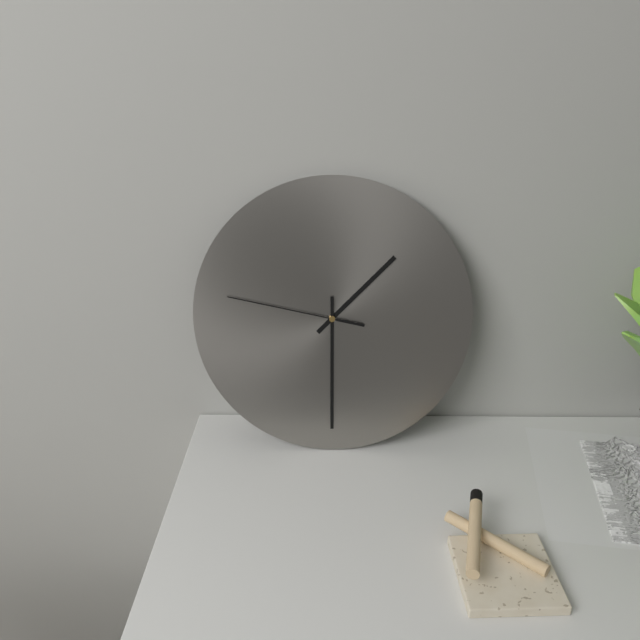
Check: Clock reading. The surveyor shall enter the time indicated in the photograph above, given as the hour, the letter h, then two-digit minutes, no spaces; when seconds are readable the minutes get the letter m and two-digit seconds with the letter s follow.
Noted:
1h30m47s
